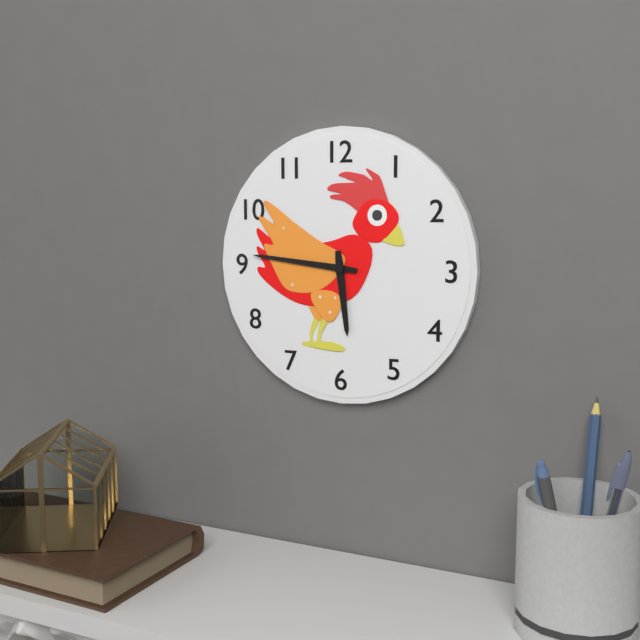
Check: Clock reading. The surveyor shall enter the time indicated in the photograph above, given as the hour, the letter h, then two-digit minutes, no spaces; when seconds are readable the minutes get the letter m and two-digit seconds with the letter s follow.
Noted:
5h46
